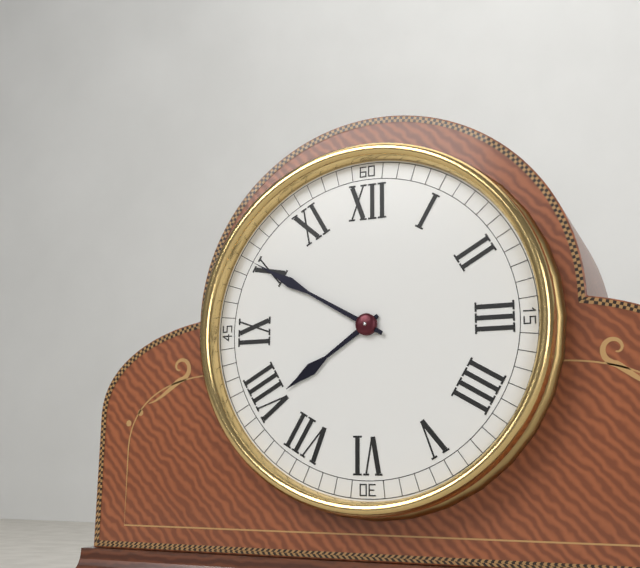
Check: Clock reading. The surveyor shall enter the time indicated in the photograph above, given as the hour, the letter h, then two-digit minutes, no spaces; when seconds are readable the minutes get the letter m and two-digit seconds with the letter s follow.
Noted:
7h50
